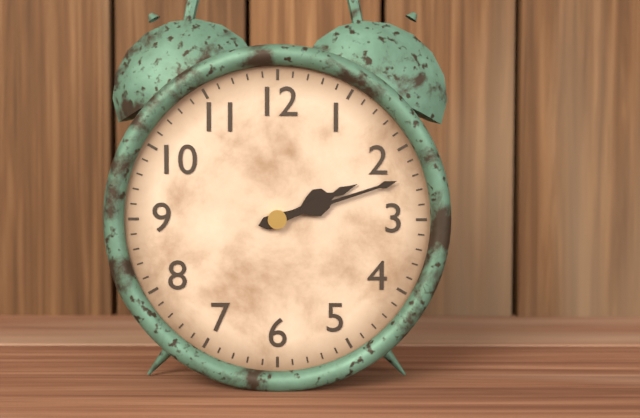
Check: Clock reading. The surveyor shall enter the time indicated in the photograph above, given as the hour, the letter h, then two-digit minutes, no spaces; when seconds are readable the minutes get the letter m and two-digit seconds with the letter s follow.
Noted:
2h12
